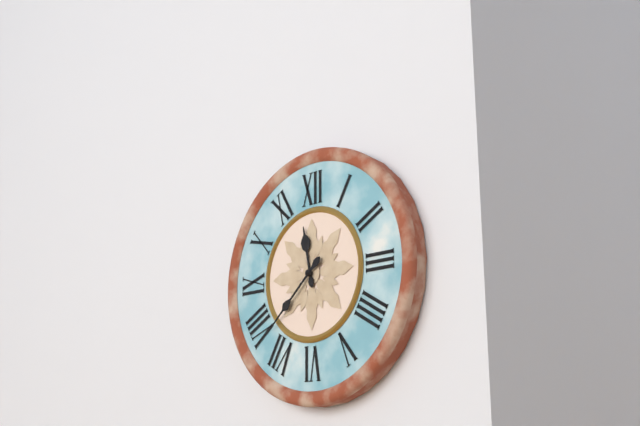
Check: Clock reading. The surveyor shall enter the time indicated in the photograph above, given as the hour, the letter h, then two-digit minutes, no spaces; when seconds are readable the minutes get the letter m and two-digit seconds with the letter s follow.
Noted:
11h38
